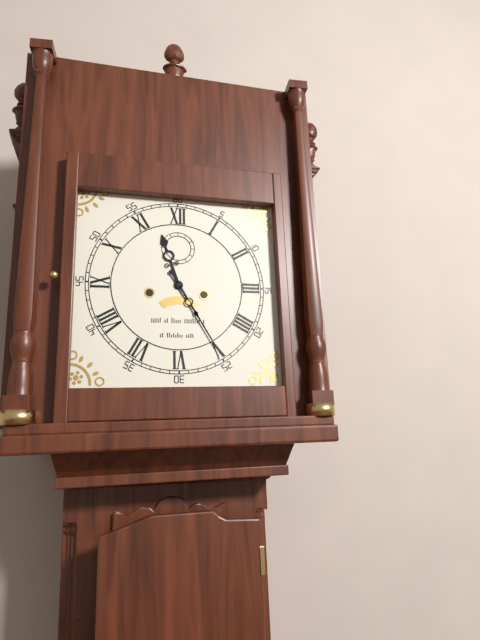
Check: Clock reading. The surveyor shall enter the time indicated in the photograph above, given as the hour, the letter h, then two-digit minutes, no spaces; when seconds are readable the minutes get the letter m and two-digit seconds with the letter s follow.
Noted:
11h25
